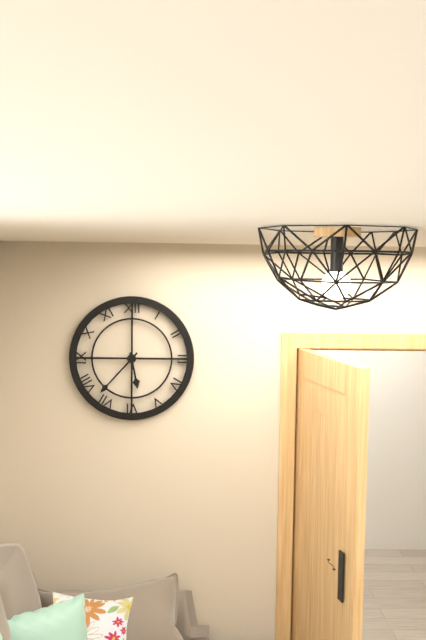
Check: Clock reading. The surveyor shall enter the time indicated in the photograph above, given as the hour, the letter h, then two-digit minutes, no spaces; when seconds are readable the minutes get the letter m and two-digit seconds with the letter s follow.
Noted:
5h37
